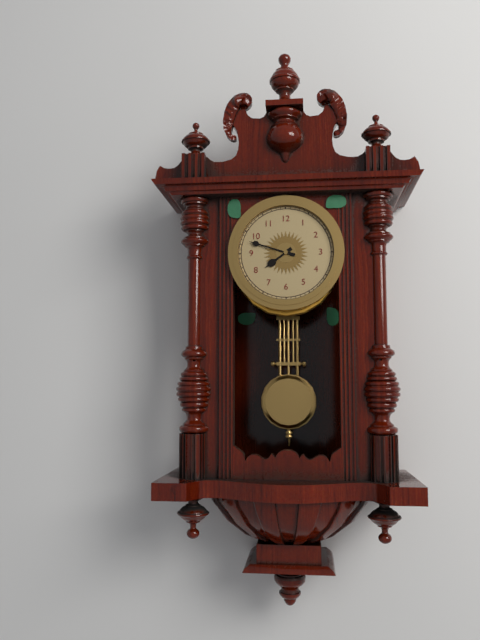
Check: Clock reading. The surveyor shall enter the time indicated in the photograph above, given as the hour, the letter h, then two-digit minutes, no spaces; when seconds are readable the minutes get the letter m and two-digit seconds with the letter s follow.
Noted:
7h48
